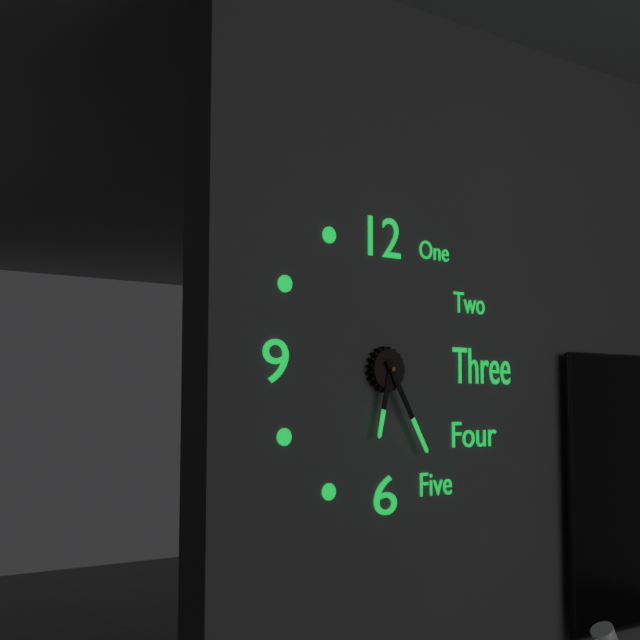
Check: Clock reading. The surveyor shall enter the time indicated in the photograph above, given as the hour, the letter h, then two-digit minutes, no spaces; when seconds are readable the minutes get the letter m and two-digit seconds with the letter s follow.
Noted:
6h25
